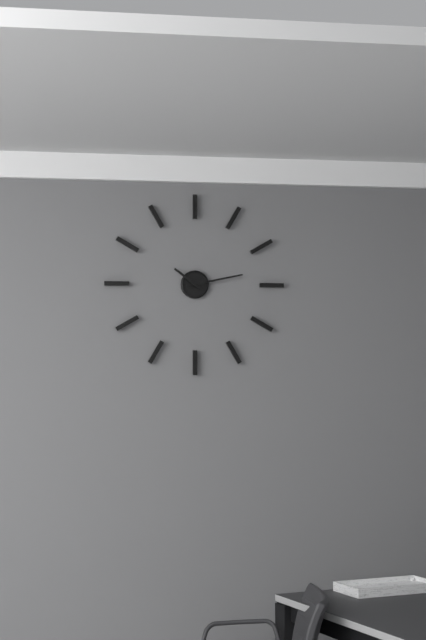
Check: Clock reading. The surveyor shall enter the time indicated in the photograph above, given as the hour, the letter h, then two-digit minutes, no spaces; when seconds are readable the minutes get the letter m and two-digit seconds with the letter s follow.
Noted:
10h13
